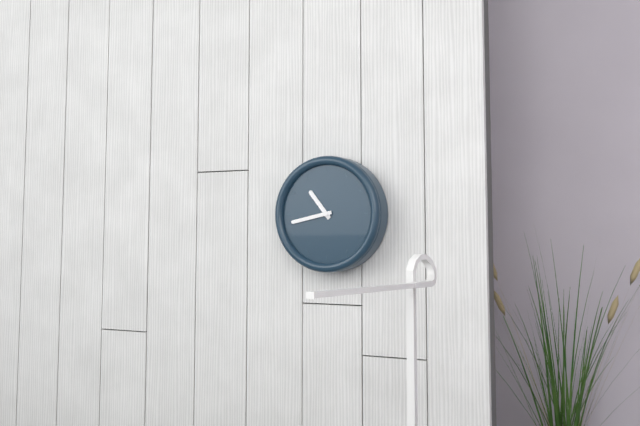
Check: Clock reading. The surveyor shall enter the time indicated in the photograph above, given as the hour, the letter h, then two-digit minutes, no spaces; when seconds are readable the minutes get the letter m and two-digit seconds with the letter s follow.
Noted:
10h43
